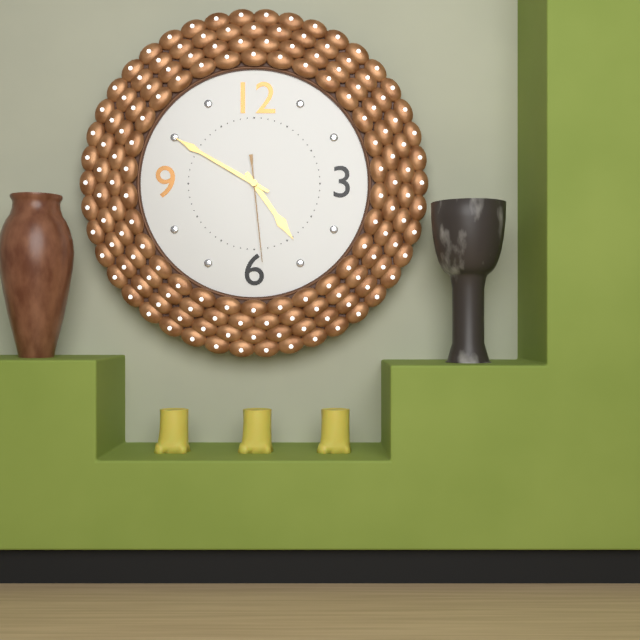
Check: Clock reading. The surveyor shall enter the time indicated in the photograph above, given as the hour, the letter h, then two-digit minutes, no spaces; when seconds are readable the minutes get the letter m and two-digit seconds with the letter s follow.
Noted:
4h50m29s
